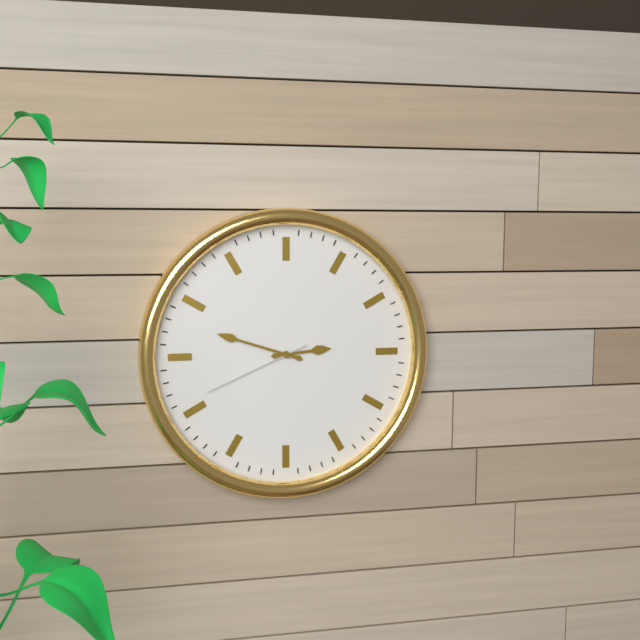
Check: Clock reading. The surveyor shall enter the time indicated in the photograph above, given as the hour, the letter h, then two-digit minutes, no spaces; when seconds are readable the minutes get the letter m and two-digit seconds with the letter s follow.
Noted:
2h48m41s
